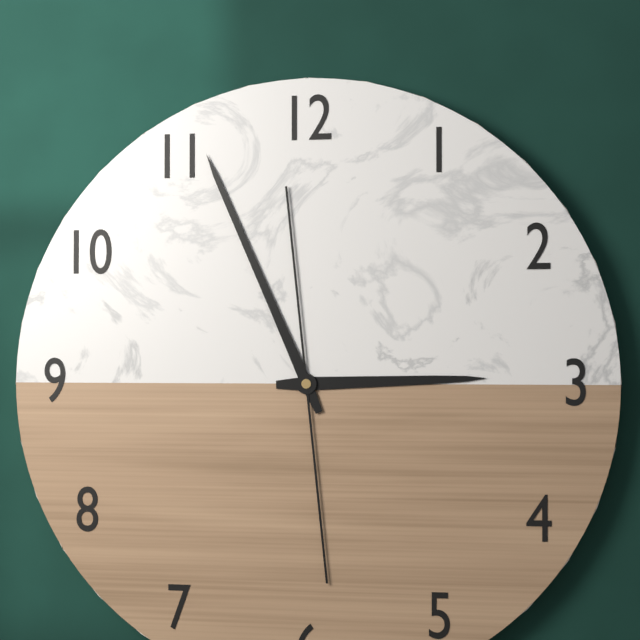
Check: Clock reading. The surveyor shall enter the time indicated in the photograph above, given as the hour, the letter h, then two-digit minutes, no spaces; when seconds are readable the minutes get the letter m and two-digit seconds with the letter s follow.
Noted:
2h56
